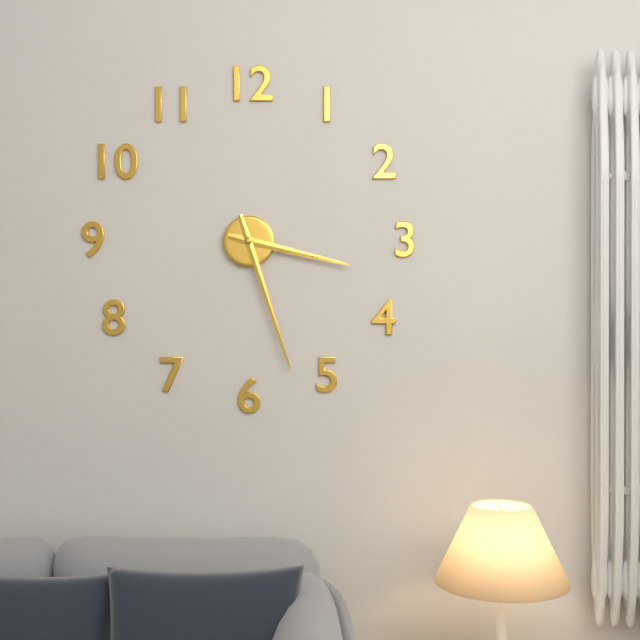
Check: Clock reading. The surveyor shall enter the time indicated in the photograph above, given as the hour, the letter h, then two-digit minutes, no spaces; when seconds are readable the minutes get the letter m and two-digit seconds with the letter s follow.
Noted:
3h27
